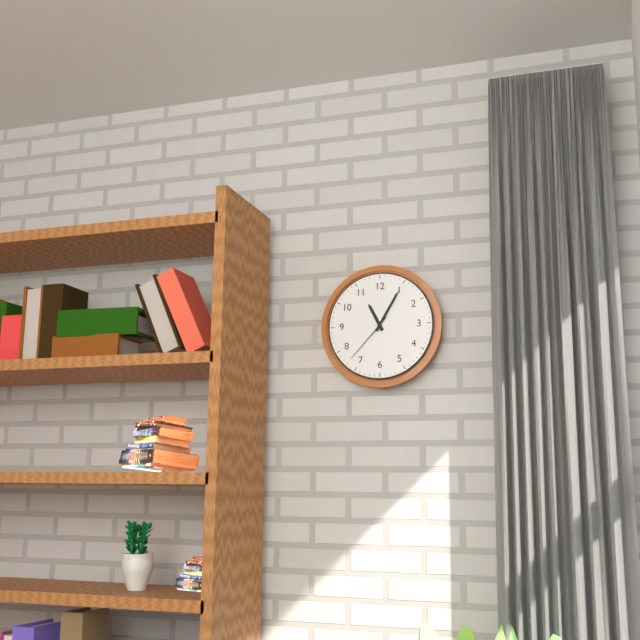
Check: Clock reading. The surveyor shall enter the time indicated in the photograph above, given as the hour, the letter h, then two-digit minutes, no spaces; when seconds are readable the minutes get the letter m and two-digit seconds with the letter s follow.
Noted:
11h05m37s
